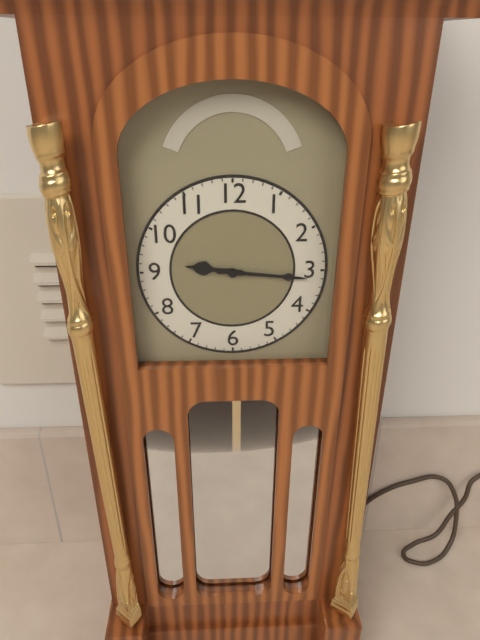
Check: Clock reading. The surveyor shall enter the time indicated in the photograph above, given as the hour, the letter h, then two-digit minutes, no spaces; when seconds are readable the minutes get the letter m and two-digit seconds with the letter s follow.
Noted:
9h16
